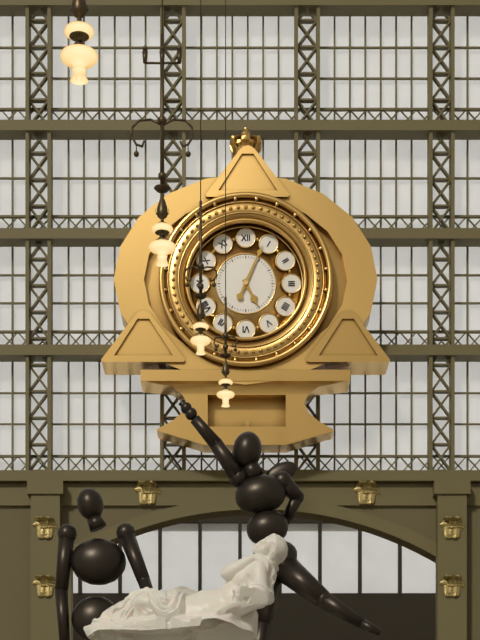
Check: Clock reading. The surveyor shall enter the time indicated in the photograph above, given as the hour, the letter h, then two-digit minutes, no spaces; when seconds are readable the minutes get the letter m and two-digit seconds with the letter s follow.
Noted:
5h04
